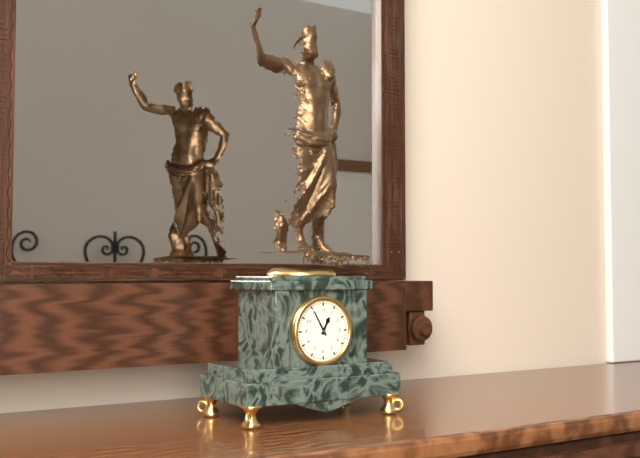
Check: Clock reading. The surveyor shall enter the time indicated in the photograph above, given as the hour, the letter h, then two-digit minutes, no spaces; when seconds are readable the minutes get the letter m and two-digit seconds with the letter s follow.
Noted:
12h55
